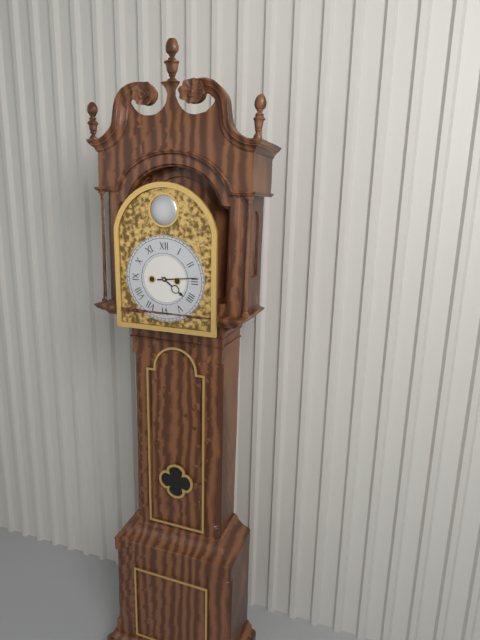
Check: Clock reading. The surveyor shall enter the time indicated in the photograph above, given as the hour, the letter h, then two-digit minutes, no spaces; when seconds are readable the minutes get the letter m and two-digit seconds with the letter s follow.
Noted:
4h14
